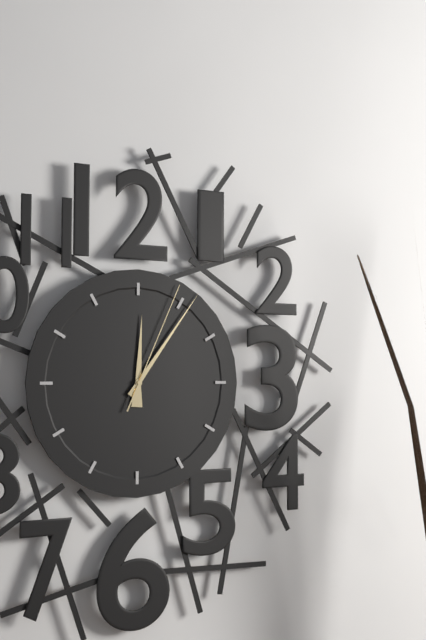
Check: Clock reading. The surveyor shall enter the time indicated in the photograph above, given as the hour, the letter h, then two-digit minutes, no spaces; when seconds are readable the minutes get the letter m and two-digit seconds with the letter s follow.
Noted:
12h06m04s
